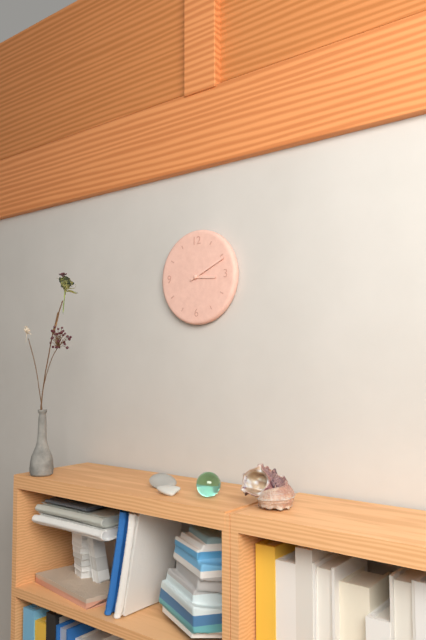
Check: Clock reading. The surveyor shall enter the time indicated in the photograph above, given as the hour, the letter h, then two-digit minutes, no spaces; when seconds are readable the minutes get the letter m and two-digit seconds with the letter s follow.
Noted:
3h11
